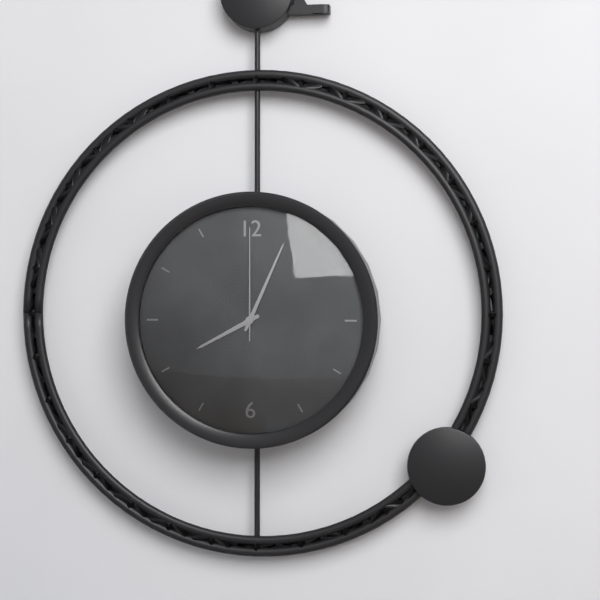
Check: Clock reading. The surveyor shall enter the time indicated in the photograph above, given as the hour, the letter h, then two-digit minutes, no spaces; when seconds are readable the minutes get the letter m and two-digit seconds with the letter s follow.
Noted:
8h04m00s
